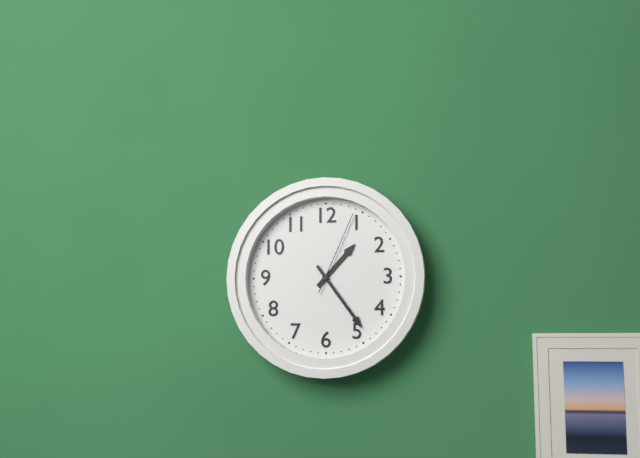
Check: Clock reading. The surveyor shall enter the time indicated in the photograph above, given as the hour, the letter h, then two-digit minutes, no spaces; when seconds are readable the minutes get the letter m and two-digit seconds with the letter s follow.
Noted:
1h24m04s
